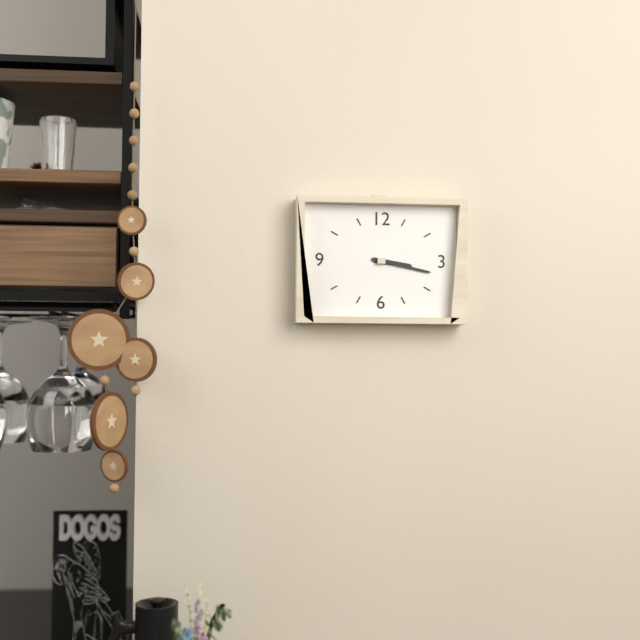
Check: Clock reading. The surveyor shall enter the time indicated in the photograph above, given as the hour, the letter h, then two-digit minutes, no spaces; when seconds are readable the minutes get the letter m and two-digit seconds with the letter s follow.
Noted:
3h17
